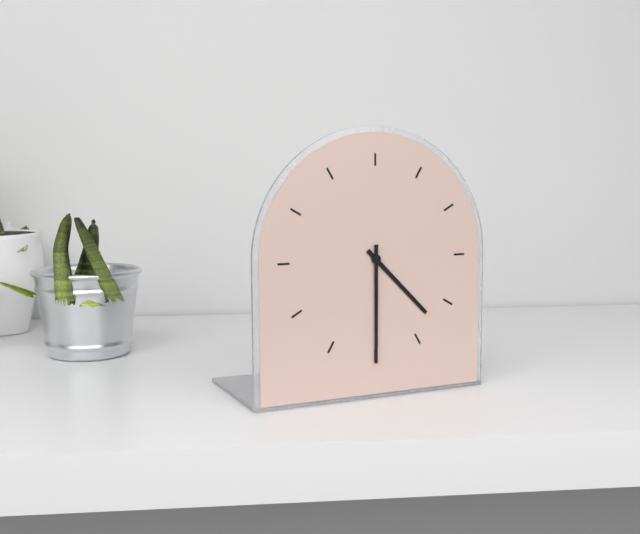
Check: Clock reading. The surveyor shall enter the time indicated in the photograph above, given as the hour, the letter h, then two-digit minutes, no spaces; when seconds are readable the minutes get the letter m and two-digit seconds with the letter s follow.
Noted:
4h30
